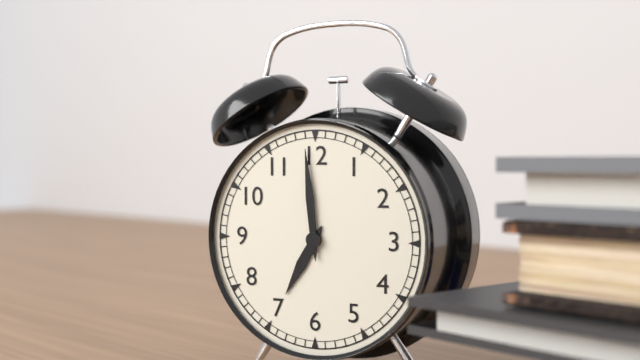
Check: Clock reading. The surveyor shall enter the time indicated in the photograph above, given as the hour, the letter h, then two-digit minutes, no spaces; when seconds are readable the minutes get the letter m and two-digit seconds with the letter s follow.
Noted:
6h59
